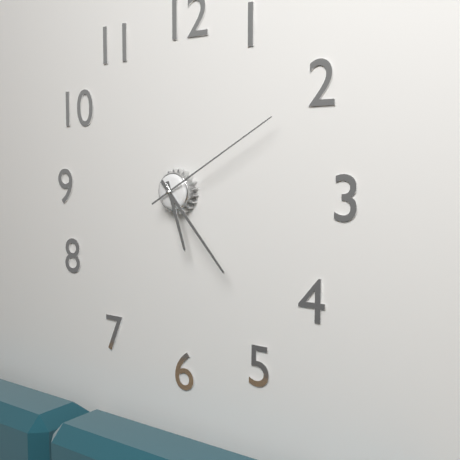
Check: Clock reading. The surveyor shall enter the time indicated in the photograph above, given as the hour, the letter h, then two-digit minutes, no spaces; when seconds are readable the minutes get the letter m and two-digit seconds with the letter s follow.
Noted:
5h23m10s
